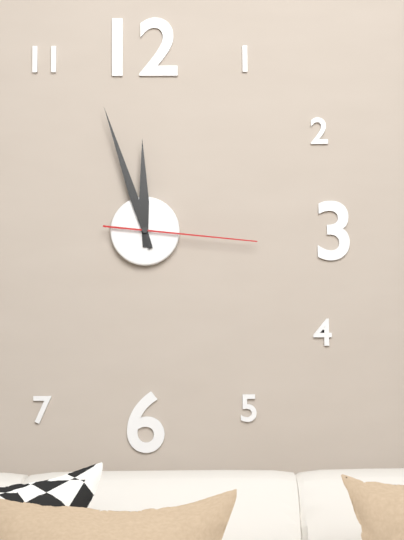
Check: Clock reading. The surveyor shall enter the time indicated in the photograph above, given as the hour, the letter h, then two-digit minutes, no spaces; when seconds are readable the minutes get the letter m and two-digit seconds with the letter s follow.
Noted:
11h57m16s
